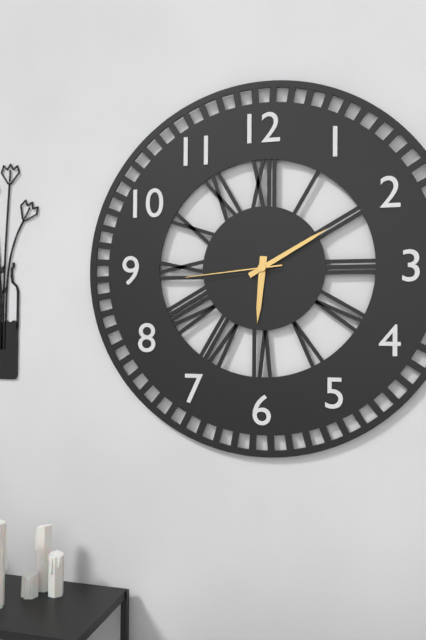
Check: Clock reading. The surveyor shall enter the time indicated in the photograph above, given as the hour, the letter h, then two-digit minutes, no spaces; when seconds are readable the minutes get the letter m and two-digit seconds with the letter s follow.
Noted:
6h10m44s
